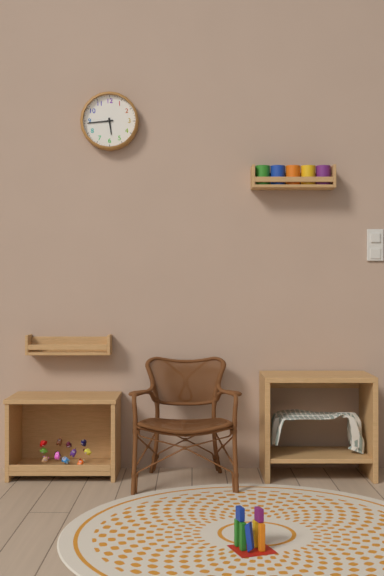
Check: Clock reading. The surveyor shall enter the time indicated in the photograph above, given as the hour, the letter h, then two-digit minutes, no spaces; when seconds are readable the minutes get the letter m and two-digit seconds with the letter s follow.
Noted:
5h44
